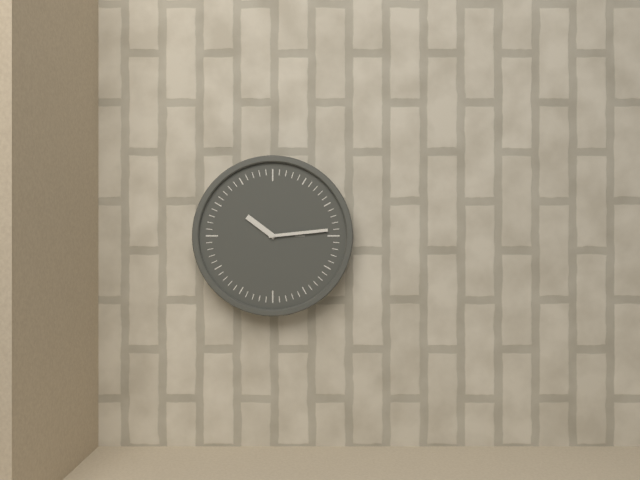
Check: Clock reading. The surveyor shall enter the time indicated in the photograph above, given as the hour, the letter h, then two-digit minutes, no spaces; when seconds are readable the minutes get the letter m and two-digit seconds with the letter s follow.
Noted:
10h14
